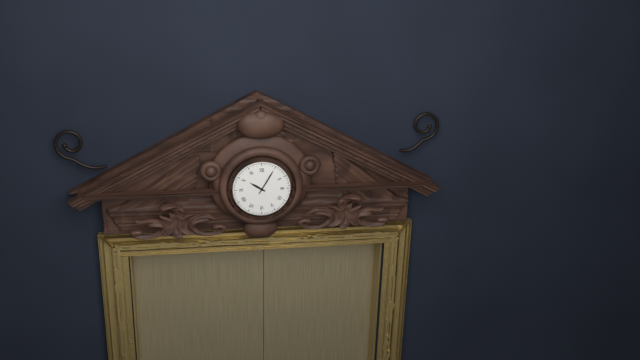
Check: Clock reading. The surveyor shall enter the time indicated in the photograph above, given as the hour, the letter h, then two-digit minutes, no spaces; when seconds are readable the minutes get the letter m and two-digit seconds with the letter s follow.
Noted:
10h05
